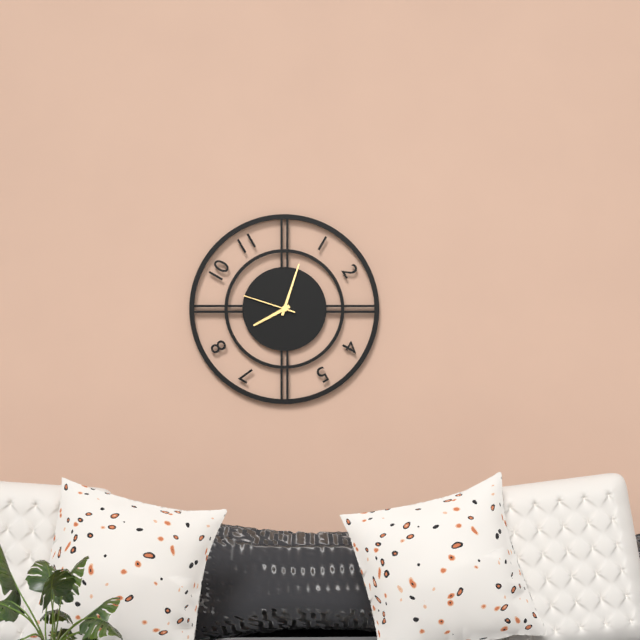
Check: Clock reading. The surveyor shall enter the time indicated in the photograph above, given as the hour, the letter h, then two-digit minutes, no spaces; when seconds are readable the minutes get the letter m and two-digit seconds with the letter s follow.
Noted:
8h03m48s
